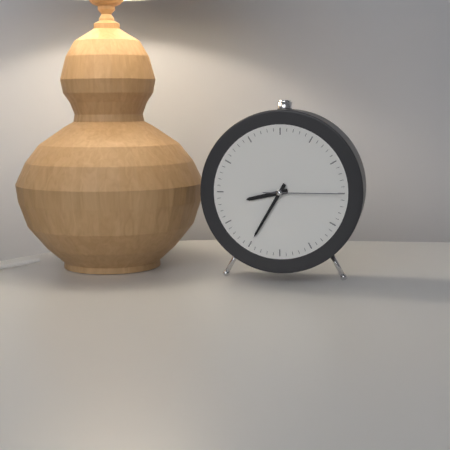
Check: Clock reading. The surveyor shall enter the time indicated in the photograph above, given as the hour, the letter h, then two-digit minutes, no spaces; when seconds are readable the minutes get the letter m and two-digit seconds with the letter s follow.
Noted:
8h35m15s
